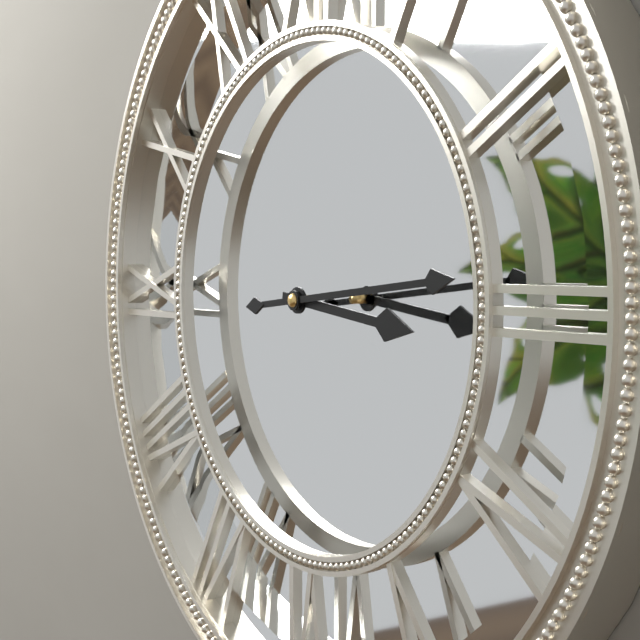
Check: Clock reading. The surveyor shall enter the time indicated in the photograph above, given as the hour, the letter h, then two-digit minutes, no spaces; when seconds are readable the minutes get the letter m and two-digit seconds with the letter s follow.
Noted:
3h14
